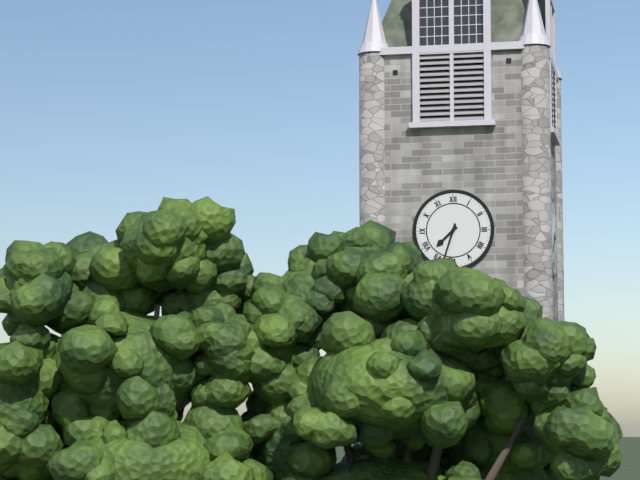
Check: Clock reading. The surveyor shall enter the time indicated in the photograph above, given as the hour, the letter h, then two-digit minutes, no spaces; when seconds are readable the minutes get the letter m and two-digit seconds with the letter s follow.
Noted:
7h33
